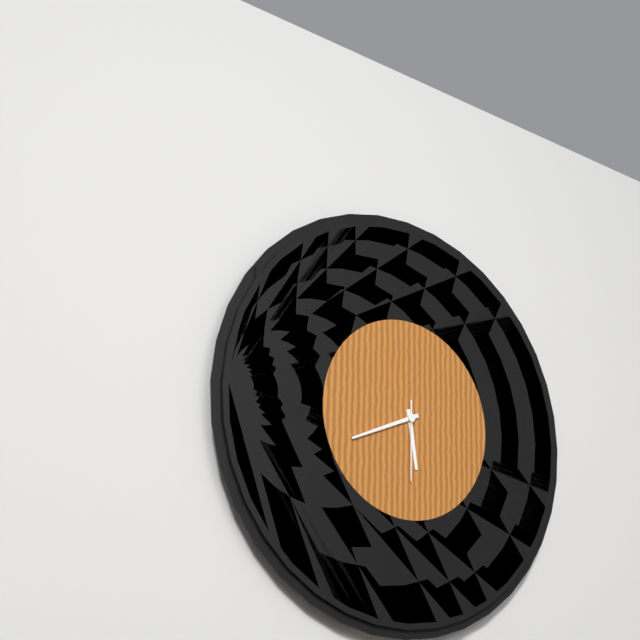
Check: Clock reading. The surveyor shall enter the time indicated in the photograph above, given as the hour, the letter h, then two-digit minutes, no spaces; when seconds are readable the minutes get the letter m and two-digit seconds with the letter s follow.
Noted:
5h41m30s
